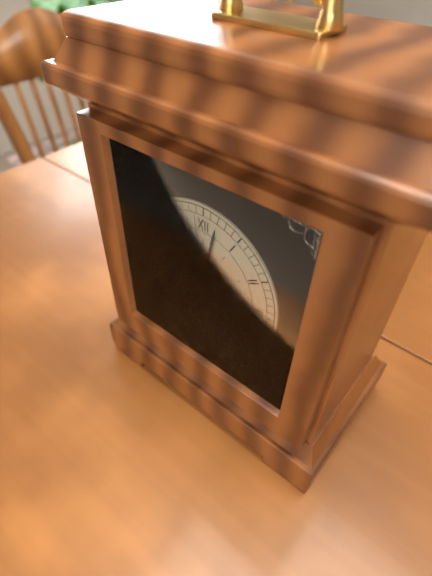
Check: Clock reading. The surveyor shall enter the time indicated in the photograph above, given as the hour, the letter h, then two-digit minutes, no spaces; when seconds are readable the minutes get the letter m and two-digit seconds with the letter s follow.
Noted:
5h02m59s
